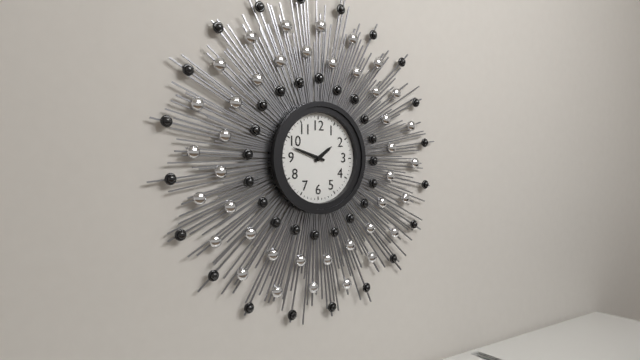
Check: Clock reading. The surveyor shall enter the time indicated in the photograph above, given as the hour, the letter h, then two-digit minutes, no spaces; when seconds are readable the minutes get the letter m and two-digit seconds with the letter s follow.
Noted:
1h48
